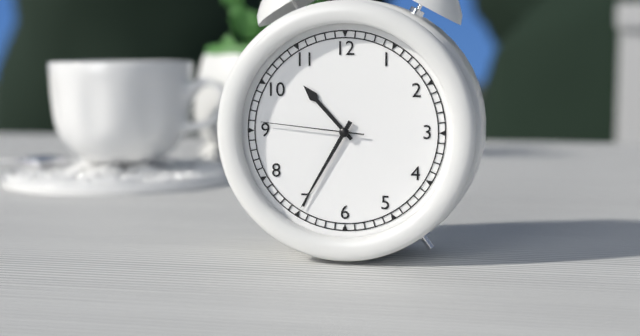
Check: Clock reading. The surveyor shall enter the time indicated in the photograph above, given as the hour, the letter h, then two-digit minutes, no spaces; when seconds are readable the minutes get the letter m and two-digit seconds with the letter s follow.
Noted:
10h35m46s
